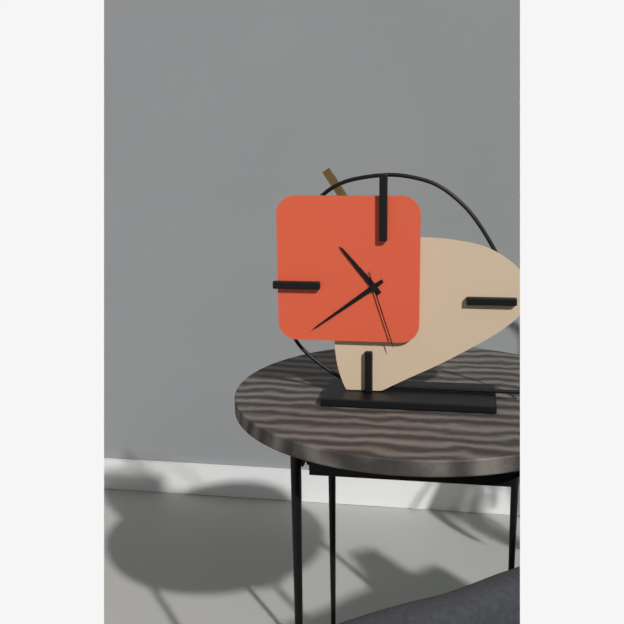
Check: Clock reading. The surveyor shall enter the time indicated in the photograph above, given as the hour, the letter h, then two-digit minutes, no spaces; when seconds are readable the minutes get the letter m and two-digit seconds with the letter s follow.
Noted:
10h39m27s
